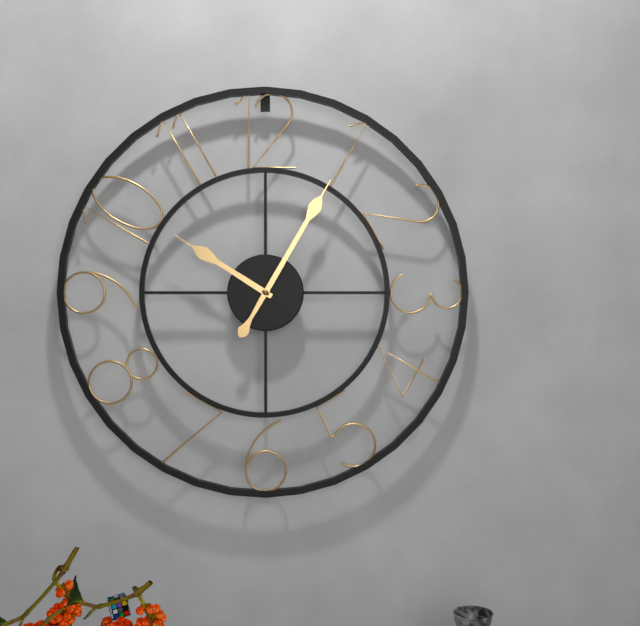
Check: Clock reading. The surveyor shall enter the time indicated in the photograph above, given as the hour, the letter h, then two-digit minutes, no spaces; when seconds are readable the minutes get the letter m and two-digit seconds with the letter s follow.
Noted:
10h05
